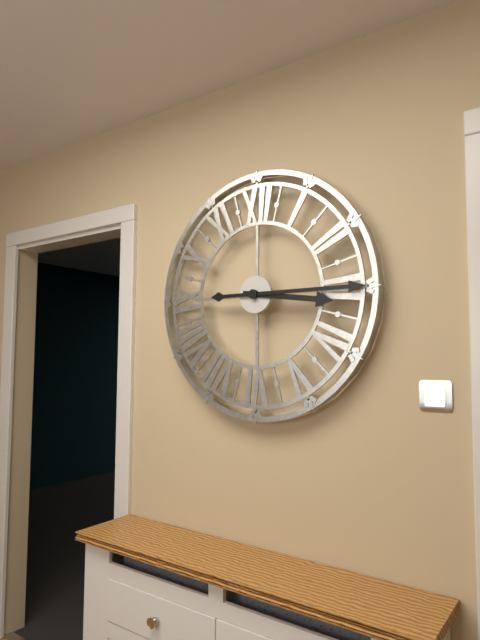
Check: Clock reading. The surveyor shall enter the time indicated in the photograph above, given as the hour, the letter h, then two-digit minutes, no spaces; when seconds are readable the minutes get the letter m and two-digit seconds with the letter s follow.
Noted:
3h15
